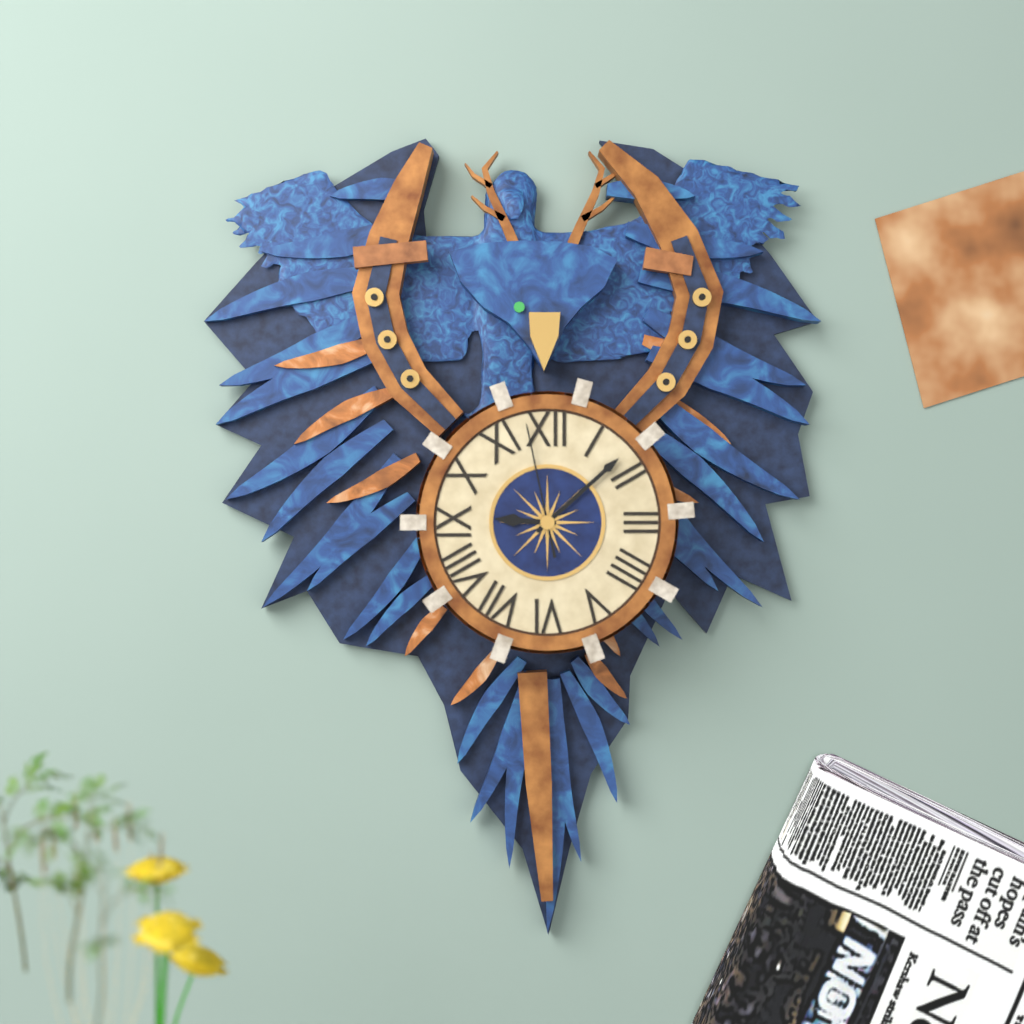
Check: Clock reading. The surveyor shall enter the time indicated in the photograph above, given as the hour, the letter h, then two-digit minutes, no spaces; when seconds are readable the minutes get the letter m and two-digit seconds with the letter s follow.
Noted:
9h08m58s
